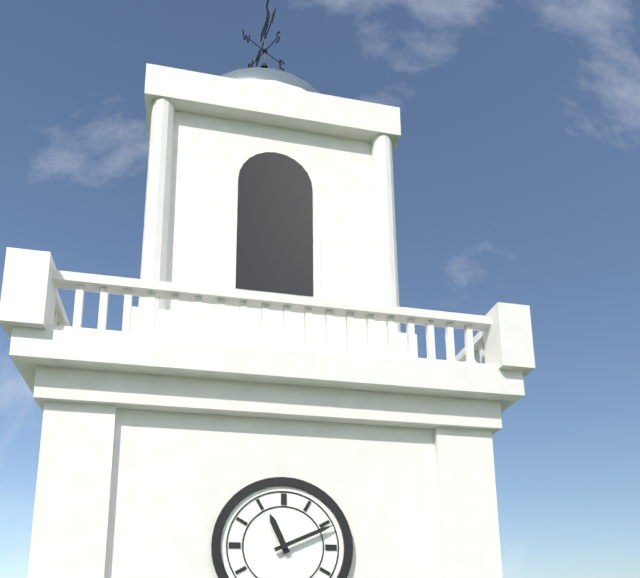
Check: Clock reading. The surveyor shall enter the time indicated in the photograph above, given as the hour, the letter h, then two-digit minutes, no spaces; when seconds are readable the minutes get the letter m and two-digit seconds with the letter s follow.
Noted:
11h11
